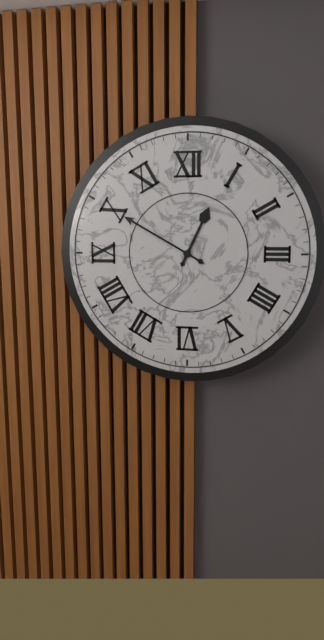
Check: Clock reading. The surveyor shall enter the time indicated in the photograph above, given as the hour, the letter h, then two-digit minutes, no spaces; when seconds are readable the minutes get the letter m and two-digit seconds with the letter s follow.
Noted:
12h50
